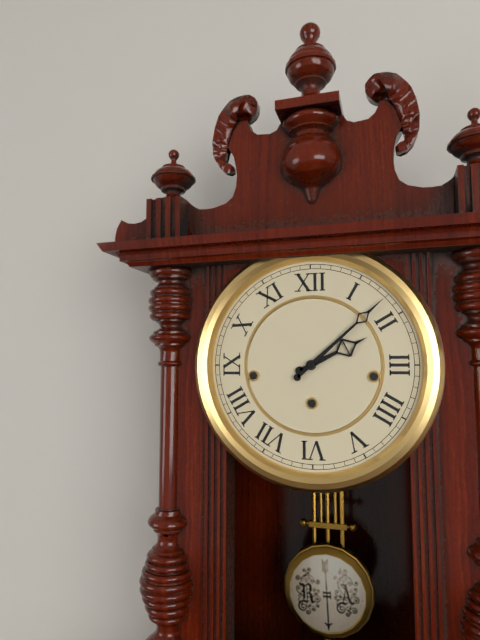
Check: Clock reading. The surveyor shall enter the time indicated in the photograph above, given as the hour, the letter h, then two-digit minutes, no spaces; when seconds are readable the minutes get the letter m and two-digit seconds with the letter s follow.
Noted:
2h08
